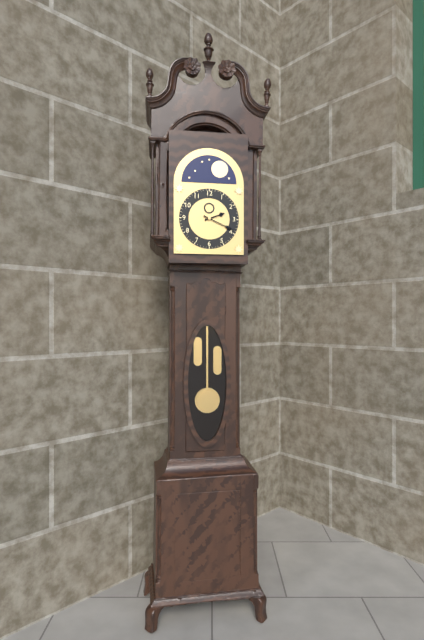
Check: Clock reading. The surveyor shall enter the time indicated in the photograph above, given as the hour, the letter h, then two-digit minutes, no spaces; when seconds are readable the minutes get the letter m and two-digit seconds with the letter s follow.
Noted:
2h19
